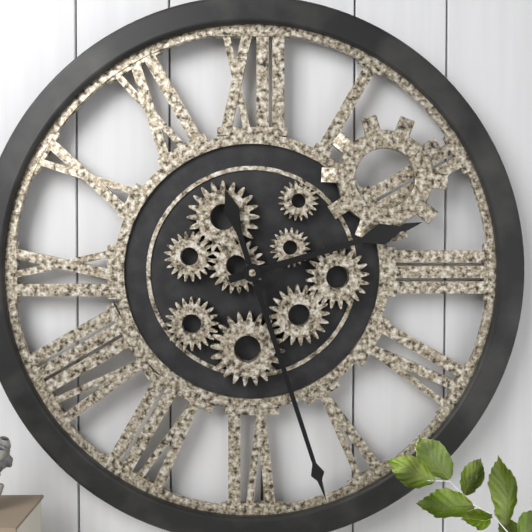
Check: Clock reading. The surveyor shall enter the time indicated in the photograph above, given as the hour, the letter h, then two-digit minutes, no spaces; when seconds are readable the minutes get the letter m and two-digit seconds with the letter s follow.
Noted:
2h27
